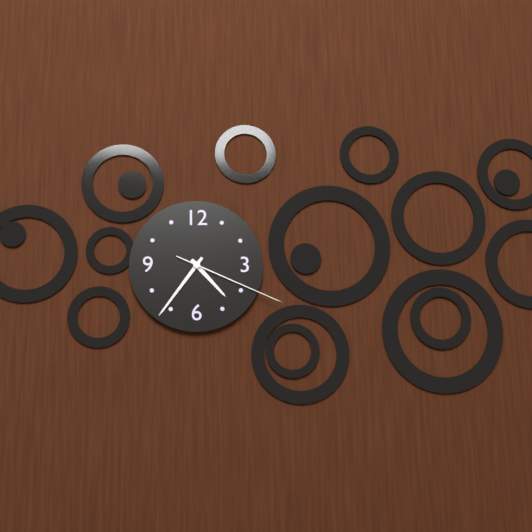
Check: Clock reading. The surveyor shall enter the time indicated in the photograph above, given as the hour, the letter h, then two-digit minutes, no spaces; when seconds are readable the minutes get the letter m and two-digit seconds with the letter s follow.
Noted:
4h36m19s
